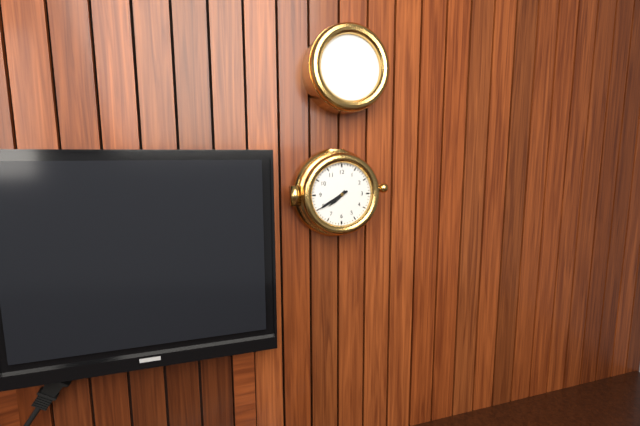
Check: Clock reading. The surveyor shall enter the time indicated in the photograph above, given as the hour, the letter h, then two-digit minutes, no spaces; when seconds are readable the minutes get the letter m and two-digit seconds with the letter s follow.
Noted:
7h40
